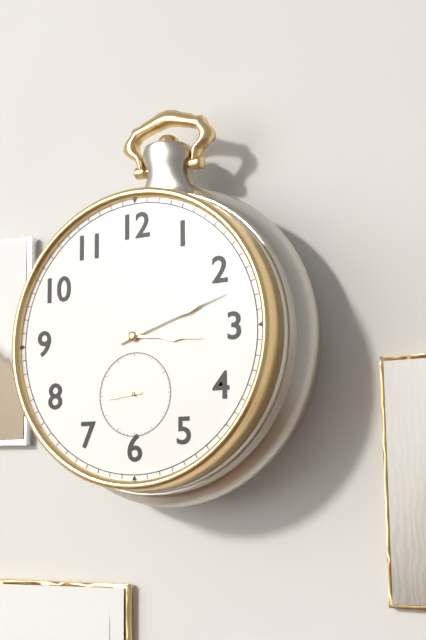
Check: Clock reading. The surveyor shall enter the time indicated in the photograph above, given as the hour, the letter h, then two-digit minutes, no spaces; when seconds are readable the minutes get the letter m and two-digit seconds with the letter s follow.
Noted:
3h12
